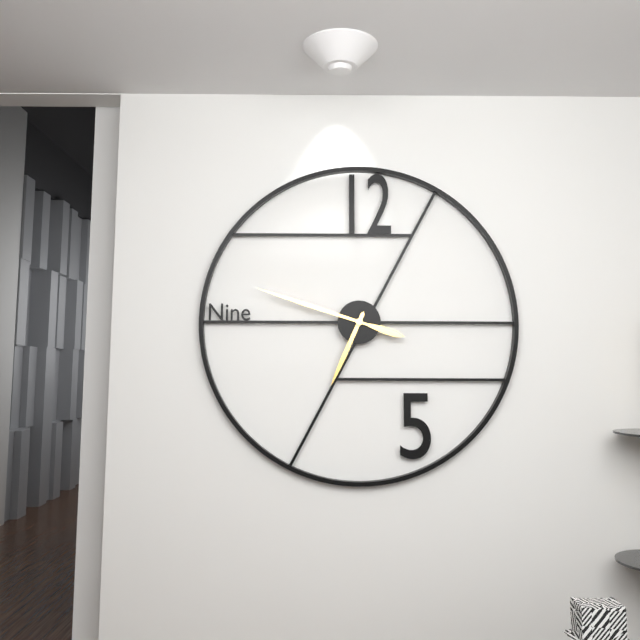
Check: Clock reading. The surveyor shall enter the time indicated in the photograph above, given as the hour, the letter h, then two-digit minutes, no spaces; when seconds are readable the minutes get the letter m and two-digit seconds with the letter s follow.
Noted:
6h48
